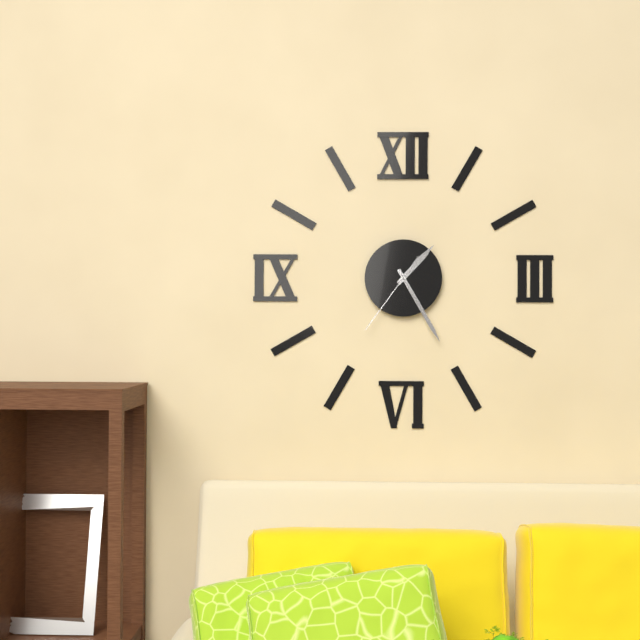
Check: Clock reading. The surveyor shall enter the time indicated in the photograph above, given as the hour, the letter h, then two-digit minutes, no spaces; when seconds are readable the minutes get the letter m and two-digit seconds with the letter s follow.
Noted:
1h25m36s
